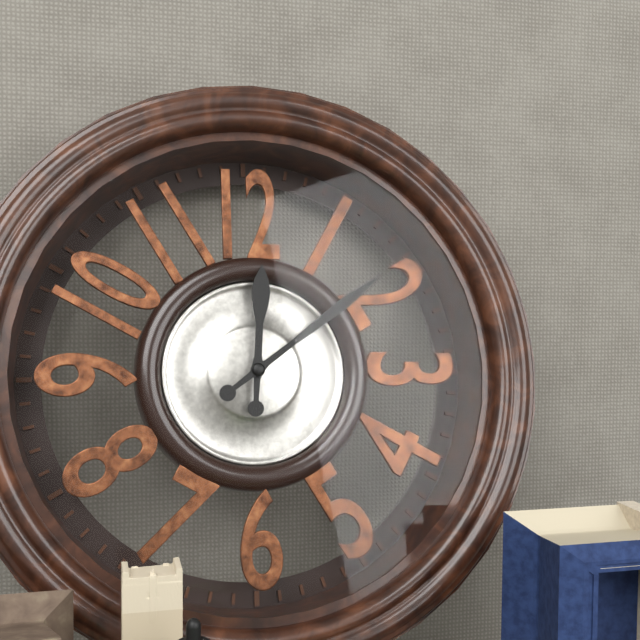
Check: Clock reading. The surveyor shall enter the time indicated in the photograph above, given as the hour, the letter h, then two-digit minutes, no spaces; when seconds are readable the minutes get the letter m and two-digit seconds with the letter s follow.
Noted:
12h09
